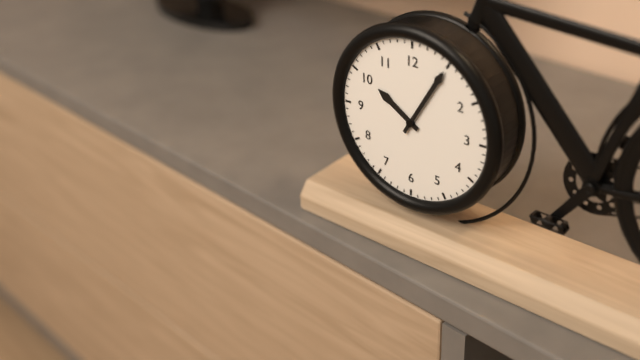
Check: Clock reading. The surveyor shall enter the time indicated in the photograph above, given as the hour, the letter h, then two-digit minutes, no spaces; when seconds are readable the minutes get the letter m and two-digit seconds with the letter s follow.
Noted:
10h05
